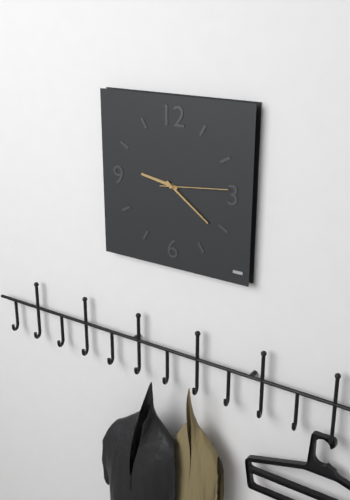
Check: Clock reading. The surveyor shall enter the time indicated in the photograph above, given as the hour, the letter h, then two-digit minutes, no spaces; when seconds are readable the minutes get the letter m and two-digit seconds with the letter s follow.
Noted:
9h21m14s
